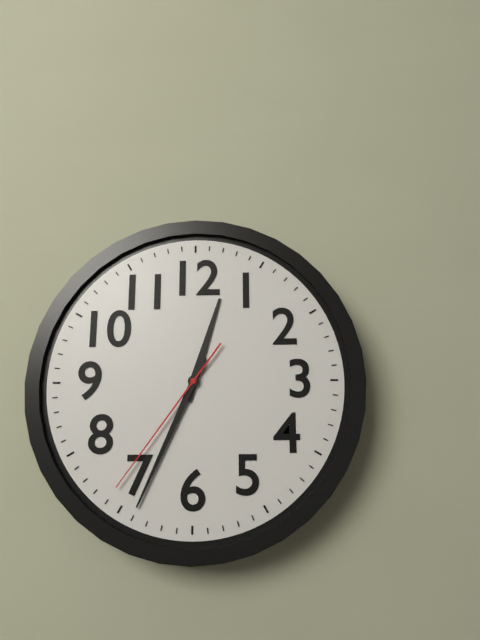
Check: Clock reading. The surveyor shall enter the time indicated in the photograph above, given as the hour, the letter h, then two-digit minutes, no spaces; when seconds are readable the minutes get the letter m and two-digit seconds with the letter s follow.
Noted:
12h34m36s
